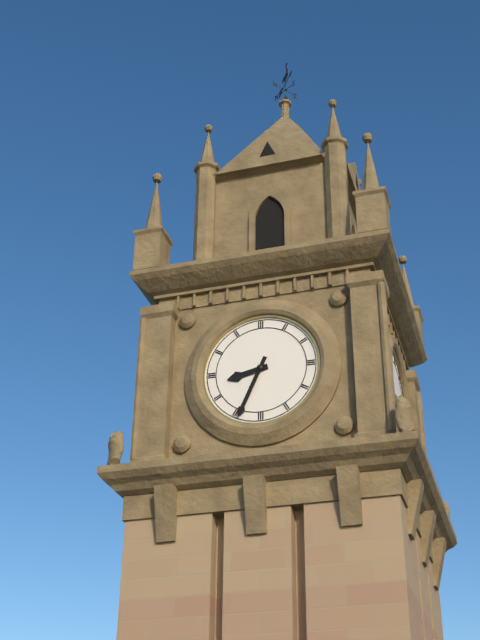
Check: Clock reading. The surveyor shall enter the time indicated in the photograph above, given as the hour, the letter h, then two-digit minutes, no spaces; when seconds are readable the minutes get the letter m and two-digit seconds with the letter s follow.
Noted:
8h34
